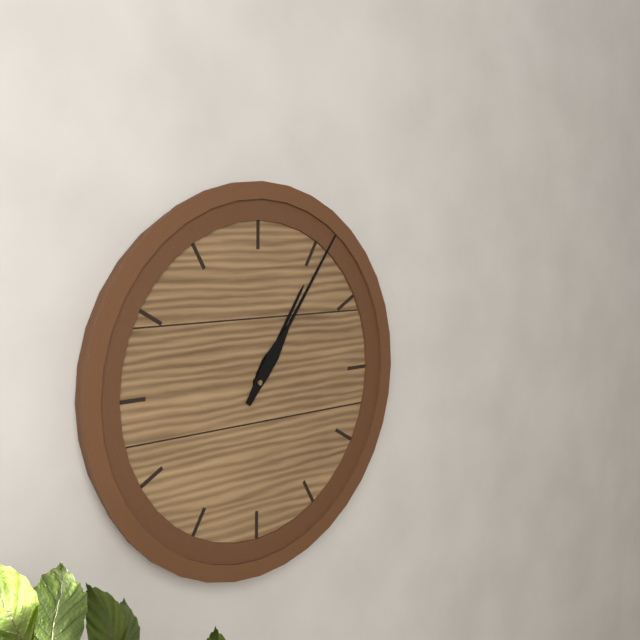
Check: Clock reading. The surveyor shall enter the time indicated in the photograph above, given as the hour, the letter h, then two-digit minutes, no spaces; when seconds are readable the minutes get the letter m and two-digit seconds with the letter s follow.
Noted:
1h06
